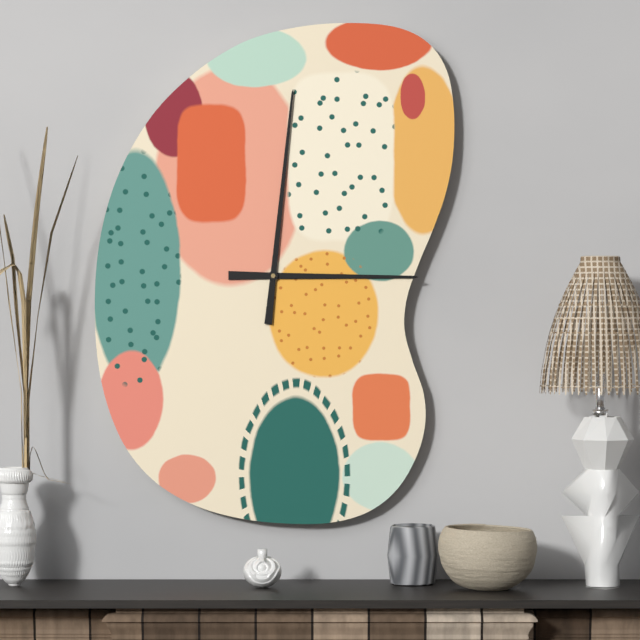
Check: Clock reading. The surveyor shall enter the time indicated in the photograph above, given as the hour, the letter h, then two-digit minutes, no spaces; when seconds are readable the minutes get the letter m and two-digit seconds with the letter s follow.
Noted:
3h01
